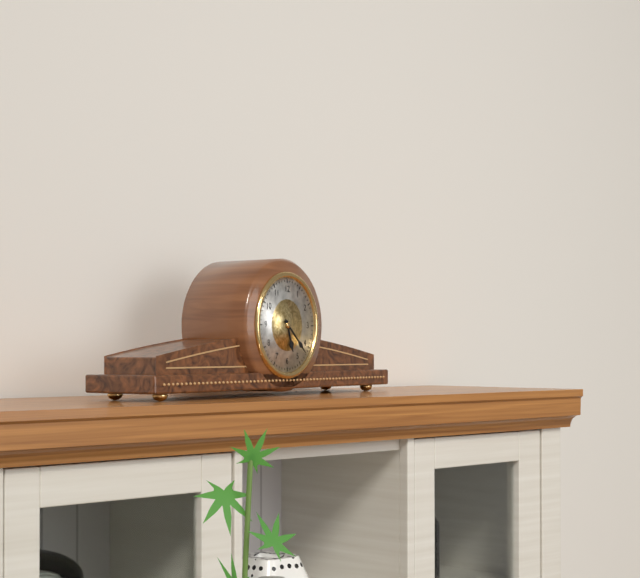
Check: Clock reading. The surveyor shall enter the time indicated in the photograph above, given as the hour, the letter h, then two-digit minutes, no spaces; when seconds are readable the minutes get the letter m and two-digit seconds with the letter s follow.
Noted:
5h22
